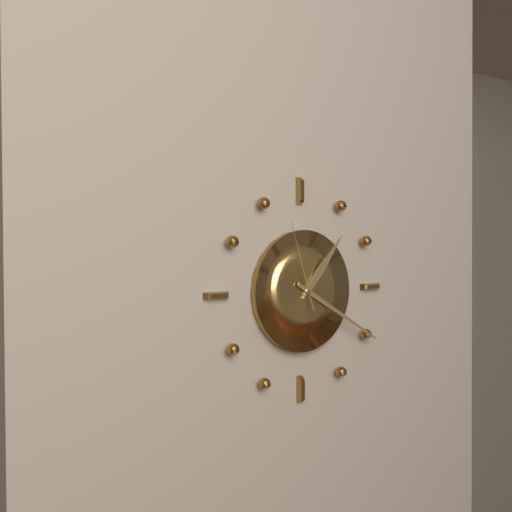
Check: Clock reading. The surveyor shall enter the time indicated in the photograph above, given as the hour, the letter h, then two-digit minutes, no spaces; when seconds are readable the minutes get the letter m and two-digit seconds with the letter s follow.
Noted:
1h20m57s
